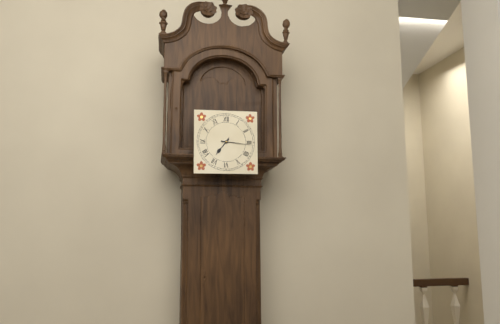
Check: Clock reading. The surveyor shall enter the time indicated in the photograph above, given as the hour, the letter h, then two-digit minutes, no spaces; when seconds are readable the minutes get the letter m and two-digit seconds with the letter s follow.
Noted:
7h16
